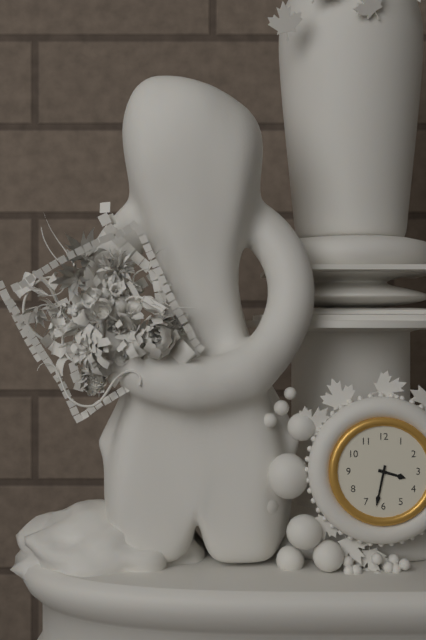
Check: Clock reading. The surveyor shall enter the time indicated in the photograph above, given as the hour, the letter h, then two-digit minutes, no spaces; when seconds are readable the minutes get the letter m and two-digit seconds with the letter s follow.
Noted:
3h32
